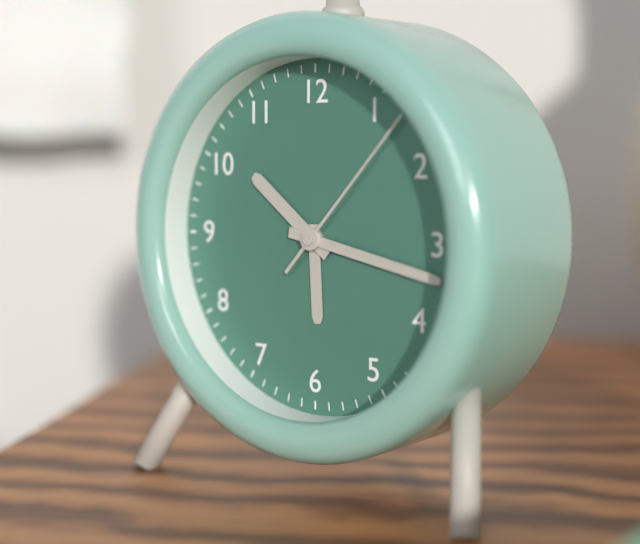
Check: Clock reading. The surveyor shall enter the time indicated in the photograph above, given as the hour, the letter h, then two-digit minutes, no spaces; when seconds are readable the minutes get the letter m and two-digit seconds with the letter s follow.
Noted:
10h17m07s
